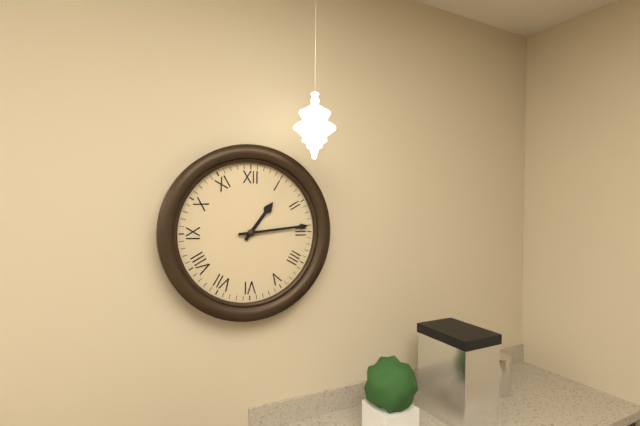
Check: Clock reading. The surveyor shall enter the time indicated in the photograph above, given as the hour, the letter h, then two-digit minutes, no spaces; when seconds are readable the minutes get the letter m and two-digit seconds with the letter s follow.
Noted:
1h14
